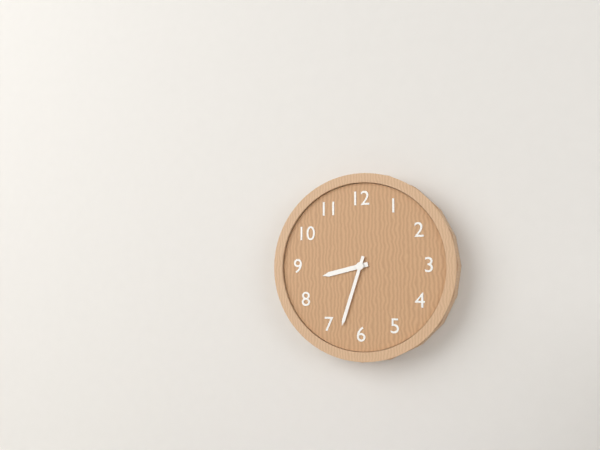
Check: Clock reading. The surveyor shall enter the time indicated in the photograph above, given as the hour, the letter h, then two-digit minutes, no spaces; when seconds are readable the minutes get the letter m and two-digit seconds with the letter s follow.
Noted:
8h33
